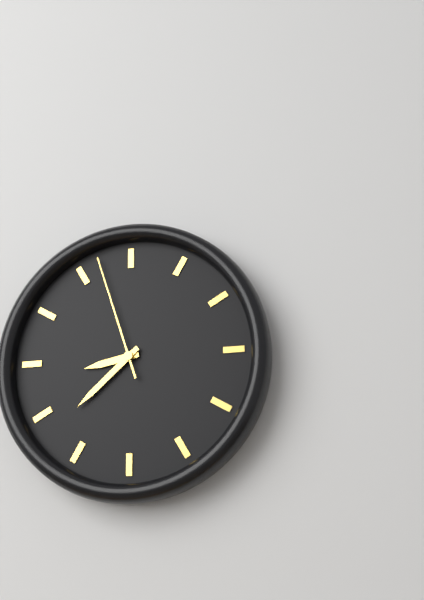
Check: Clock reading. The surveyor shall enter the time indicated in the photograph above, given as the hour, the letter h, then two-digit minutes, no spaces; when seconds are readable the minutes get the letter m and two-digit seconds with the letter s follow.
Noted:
8h38m57s
